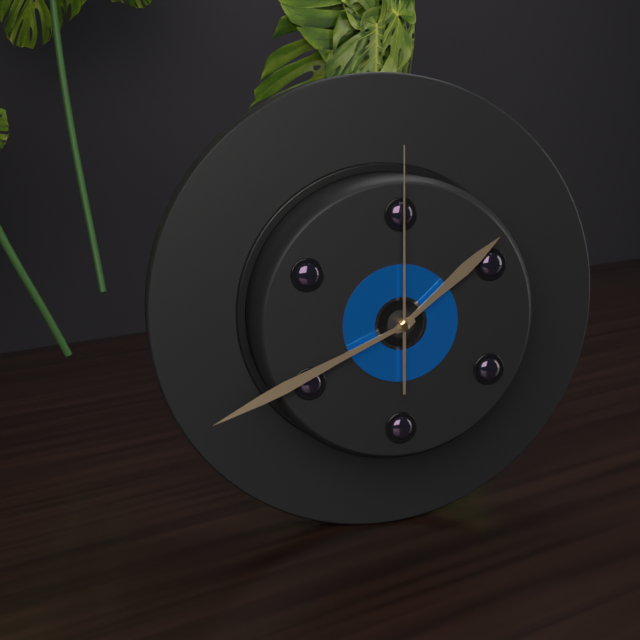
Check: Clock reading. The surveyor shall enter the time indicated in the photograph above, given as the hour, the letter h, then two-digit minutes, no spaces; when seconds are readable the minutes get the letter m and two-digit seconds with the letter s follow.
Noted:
1h41m00s
